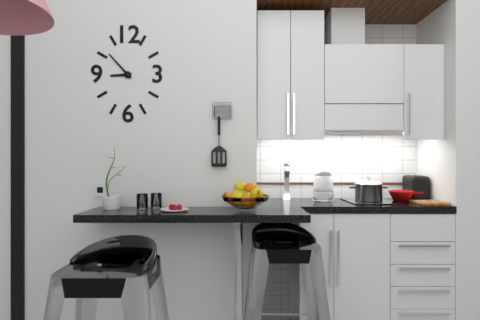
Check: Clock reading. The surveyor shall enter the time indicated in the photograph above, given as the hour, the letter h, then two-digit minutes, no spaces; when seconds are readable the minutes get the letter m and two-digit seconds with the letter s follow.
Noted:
8h53
